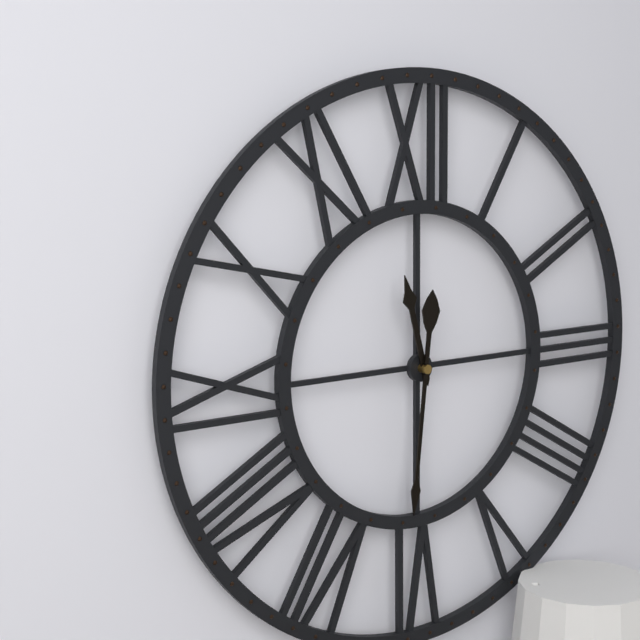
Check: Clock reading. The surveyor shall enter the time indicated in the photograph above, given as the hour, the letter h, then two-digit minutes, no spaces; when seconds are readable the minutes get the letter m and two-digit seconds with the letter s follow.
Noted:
11h31
